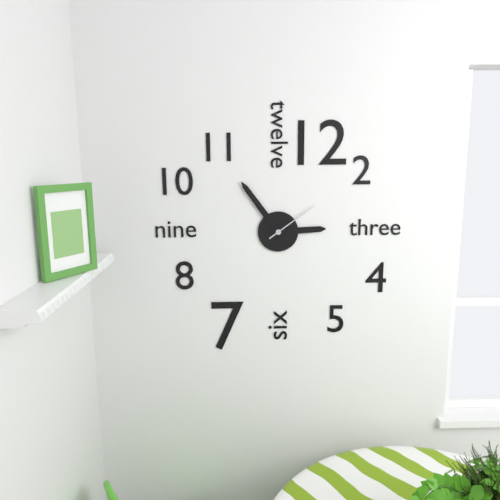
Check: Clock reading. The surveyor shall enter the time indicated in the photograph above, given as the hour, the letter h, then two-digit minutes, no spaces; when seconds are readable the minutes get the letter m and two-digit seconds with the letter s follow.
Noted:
2h54m09s
